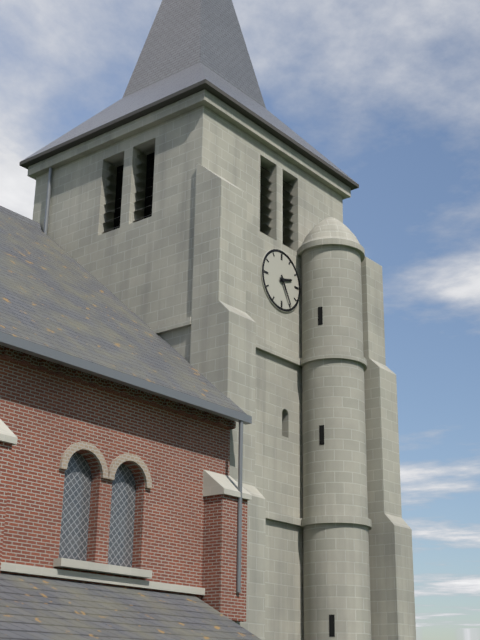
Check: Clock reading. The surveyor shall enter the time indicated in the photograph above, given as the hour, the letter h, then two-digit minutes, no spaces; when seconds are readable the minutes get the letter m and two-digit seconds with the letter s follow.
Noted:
2h25
